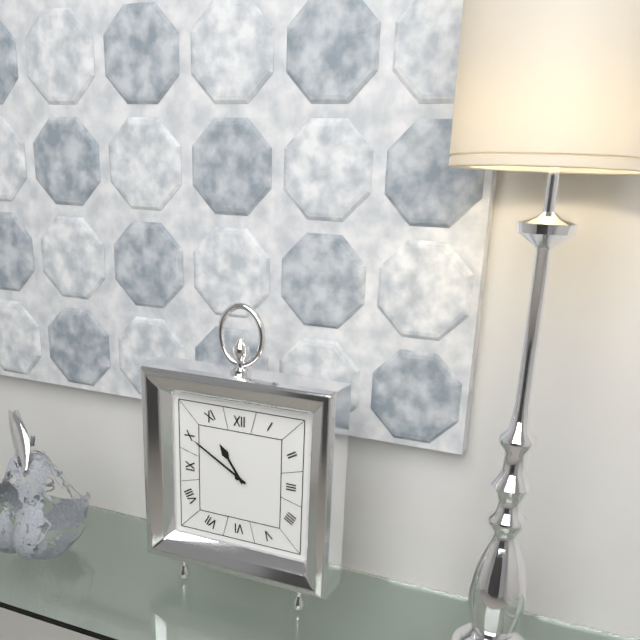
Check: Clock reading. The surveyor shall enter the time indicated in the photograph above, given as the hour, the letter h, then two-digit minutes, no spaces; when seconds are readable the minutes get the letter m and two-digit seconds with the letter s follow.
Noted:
10h50
